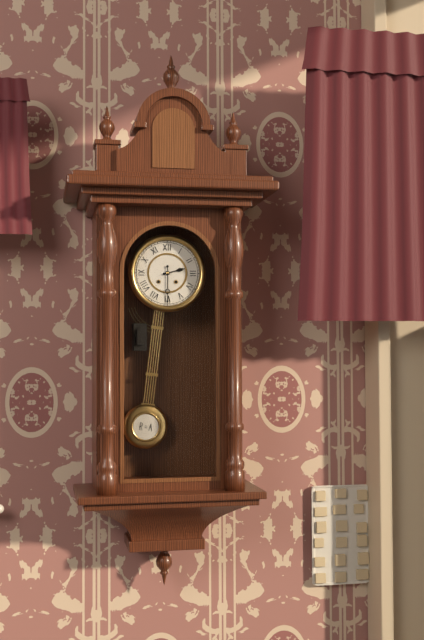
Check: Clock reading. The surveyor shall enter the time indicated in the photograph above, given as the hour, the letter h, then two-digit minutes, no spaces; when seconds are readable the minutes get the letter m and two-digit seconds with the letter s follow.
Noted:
2h30
